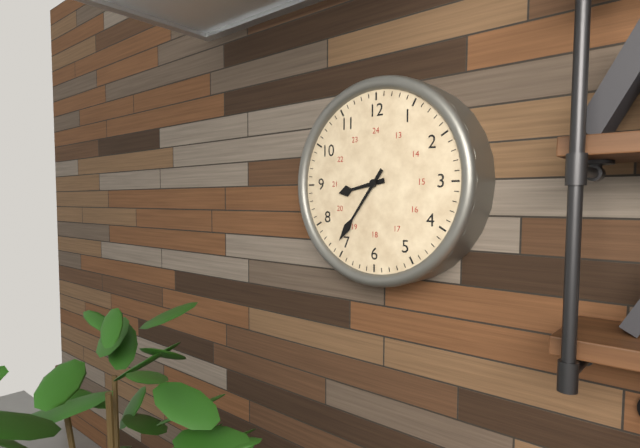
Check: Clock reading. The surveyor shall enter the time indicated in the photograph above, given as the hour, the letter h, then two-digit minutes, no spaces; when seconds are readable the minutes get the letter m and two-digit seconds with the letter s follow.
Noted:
8h36
